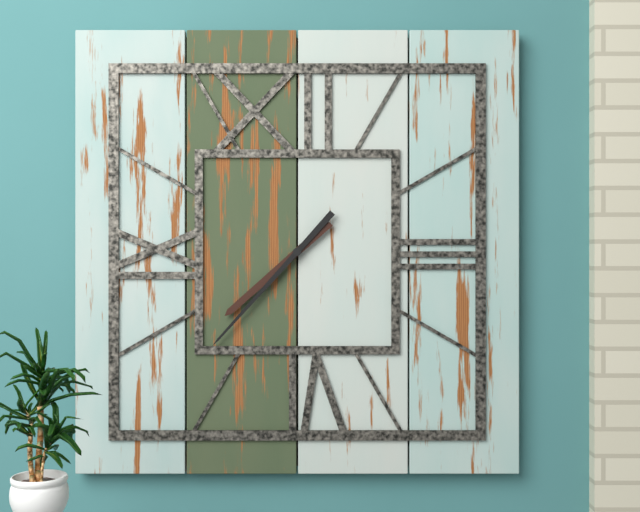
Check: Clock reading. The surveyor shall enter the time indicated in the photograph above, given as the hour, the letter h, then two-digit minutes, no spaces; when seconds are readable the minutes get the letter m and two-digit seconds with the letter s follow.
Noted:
7h37
